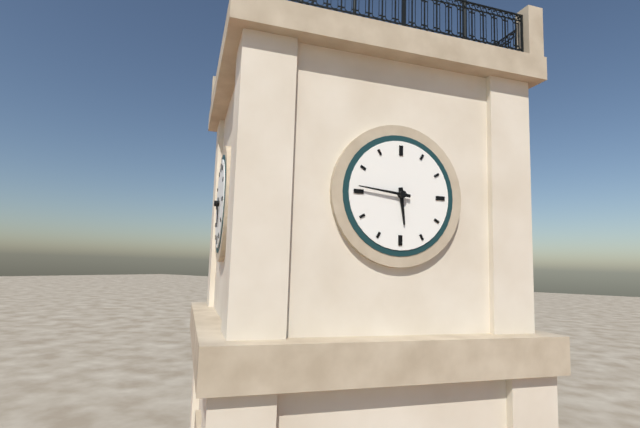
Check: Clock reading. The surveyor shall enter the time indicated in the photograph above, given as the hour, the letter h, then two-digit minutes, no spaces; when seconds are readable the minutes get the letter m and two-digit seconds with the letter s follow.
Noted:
5h46
